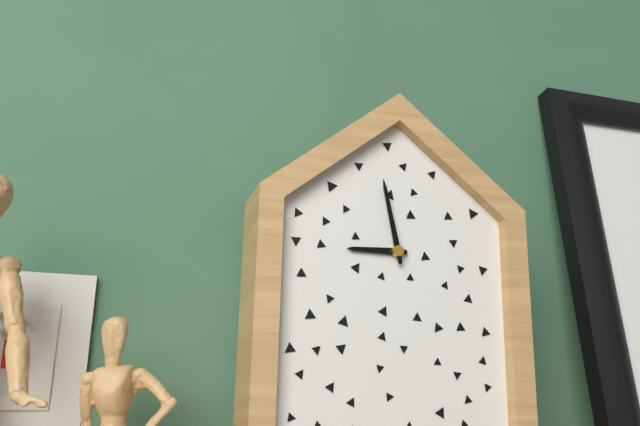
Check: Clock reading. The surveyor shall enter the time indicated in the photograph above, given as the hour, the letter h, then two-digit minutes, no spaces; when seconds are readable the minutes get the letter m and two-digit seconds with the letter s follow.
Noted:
8h58
